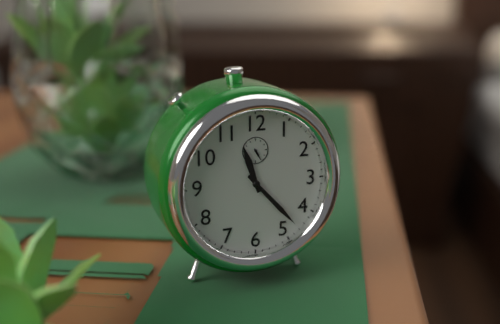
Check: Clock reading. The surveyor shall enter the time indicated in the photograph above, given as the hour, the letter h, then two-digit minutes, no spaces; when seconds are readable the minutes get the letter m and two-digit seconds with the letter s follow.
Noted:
11h23
